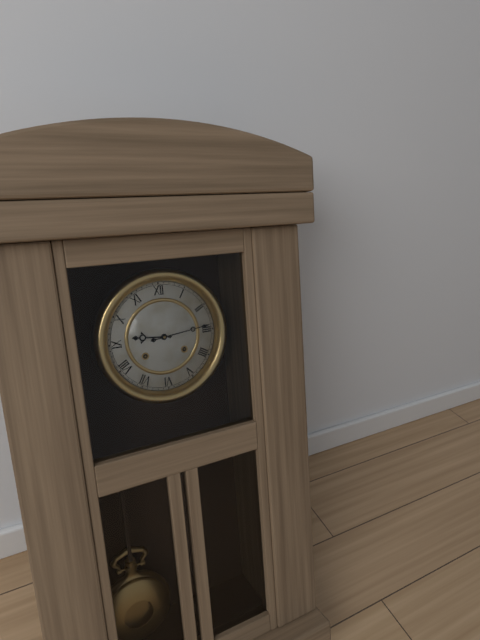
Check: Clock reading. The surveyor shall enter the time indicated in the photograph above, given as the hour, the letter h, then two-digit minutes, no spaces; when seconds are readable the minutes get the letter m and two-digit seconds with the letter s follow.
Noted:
9h14
